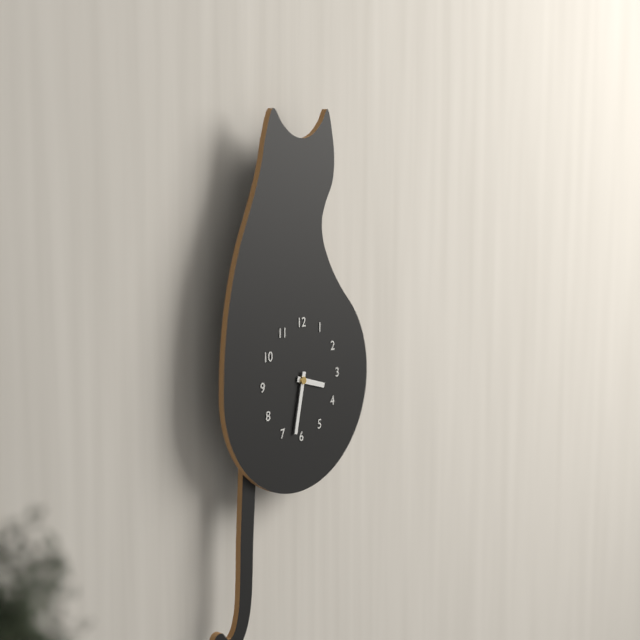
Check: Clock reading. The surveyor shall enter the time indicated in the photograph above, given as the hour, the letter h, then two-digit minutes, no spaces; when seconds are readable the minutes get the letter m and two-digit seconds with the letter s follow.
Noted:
3h32
